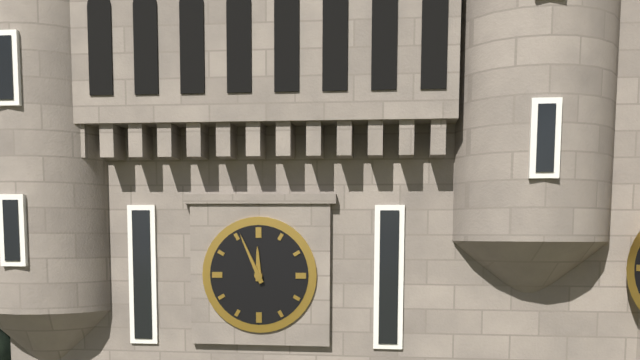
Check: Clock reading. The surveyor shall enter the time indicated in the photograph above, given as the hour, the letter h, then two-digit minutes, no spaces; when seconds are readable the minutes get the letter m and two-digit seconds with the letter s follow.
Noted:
11h56
